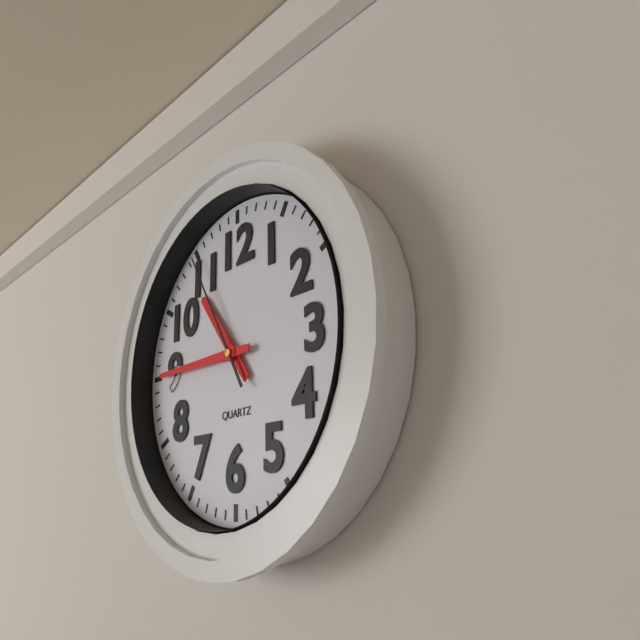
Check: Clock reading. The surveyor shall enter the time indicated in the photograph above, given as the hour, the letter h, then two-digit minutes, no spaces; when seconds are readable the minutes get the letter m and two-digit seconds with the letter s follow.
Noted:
10h45m55s
